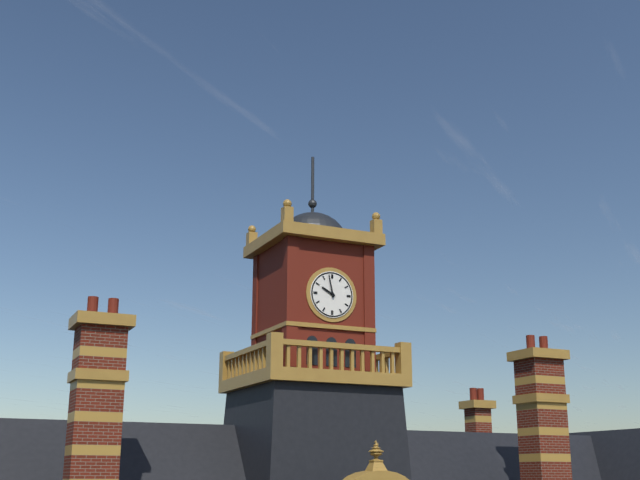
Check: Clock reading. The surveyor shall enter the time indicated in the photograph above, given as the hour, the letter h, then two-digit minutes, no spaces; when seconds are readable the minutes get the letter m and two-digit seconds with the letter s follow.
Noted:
9h58
